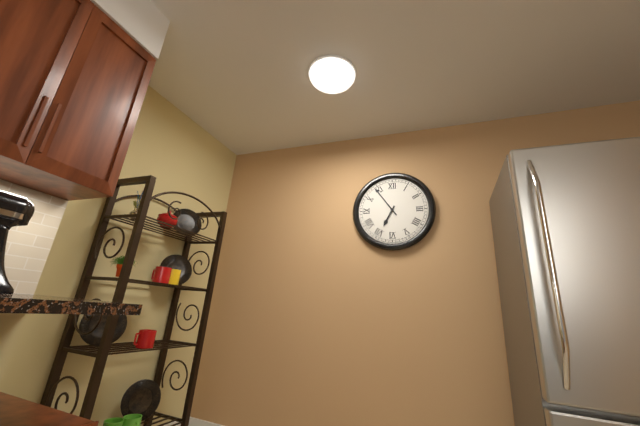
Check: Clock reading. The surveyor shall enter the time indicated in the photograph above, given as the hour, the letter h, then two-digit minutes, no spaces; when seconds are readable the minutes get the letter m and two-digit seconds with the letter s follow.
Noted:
6h54
